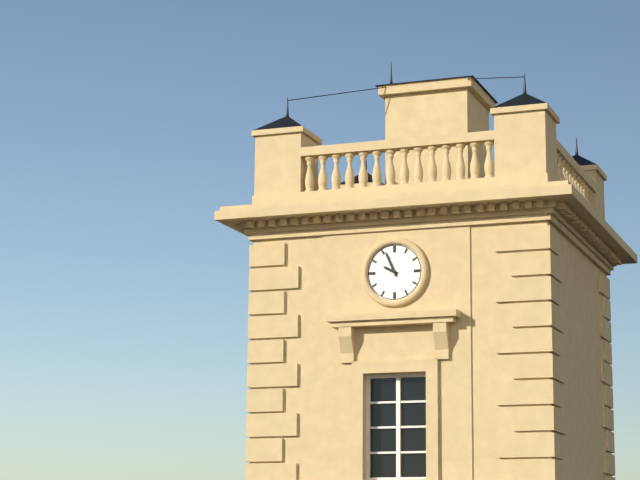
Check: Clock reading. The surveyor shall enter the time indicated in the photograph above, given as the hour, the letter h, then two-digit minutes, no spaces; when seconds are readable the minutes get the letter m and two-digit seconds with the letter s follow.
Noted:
9h56
